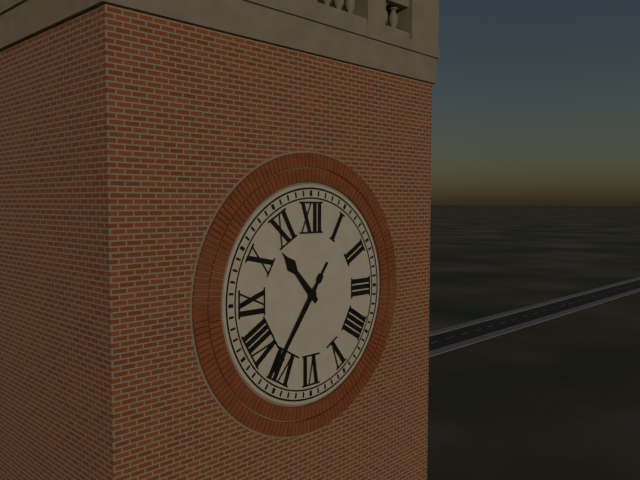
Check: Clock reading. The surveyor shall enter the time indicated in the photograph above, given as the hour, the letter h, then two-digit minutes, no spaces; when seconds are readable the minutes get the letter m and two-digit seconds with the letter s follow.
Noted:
10h36
